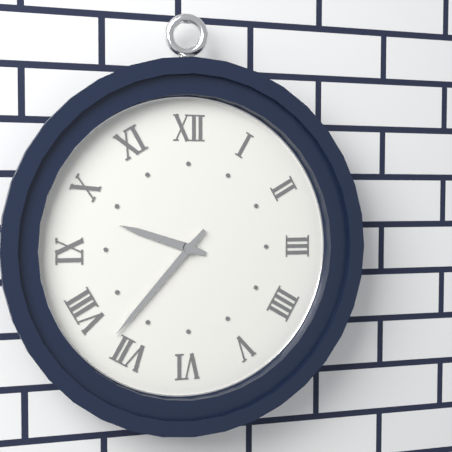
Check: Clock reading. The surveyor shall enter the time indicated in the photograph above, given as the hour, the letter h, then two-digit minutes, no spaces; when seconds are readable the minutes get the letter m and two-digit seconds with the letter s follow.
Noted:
9h37
